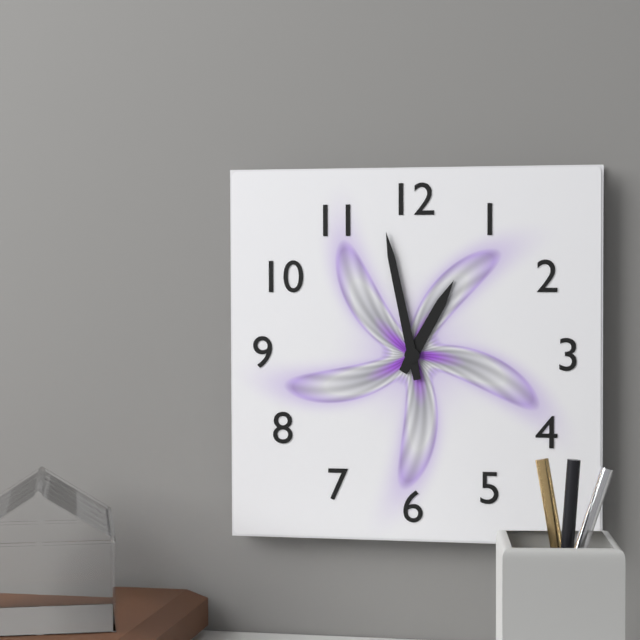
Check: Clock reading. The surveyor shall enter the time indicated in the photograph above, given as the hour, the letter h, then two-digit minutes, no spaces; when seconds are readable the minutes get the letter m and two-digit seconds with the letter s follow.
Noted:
12h58
